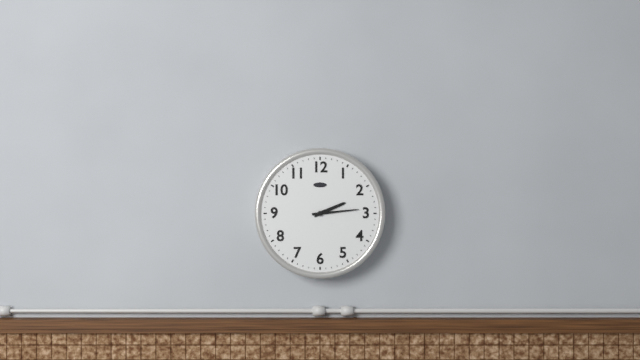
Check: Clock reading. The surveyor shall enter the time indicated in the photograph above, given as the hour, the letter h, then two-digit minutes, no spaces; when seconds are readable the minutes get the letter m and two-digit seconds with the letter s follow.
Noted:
2h14
